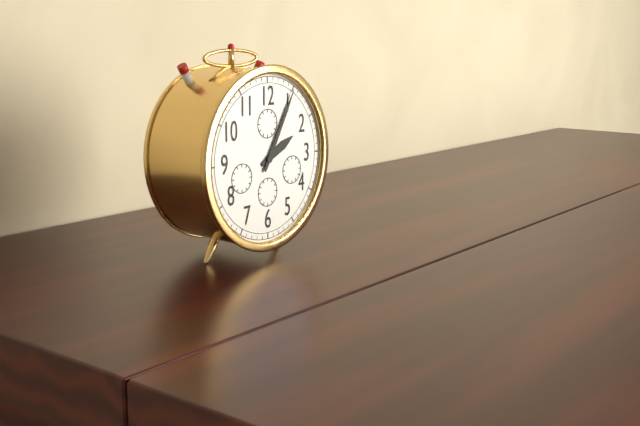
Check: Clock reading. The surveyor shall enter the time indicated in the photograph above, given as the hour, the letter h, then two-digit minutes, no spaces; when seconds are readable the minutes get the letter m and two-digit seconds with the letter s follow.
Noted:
2h05
